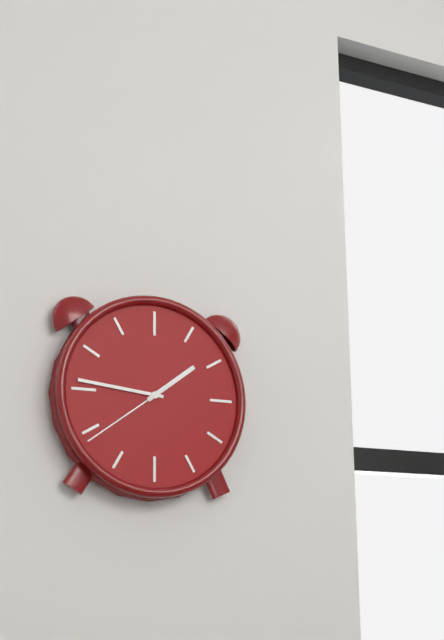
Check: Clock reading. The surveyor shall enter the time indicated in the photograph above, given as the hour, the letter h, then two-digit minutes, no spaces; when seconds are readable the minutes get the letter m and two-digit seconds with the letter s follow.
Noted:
1h46m39s
